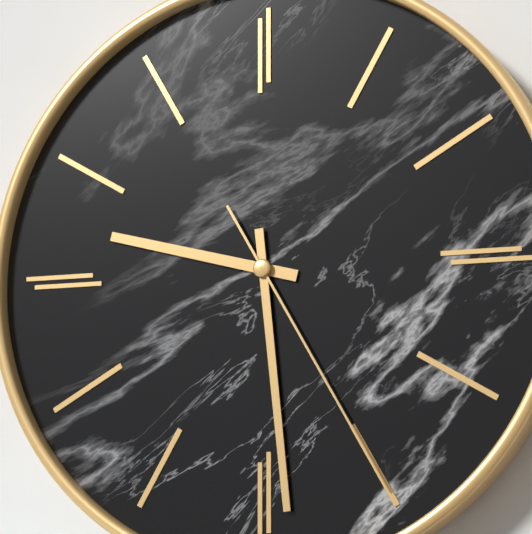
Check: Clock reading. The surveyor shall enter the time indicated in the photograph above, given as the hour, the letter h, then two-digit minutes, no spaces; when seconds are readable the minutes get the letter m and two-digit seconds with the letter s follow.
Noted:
9h29m25s
